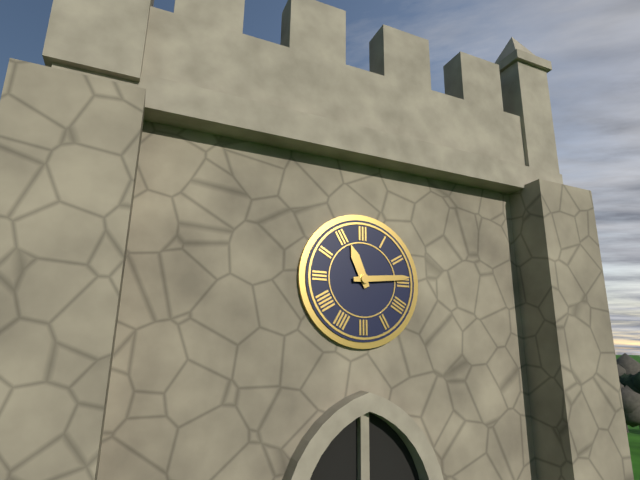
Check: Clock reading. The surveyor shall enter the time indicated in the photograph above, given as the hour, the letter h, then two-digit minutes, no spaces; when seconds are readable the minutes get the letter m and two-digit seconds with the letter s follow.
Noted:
11h14
